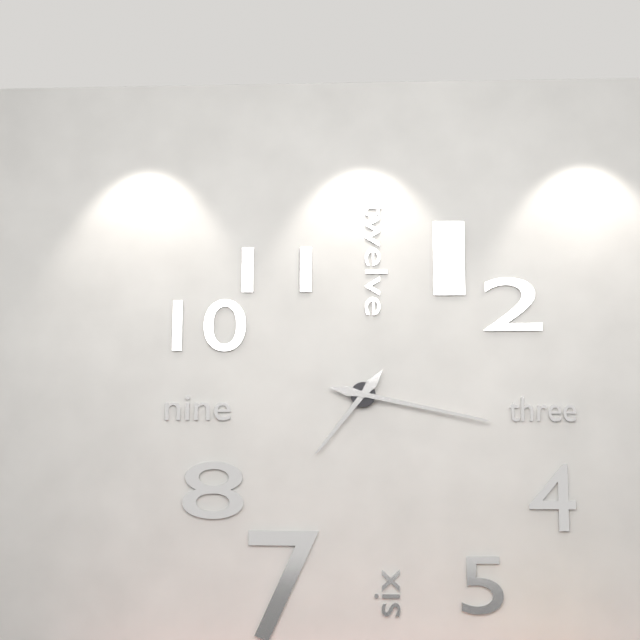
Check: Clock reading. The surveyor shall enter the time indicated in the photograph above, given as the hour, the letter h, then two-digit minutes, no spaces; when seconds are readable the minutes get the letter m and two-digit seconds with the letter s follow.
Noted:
7h17
